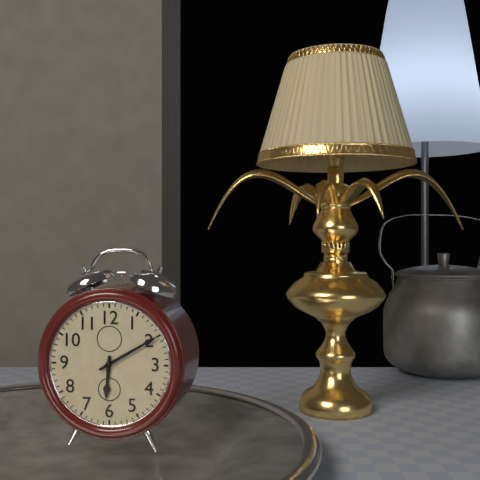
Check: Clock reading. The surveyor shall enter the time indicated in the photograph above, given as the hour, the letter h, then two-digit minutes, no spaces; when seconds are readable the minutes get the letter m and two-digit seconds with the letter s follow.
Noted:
6h10
